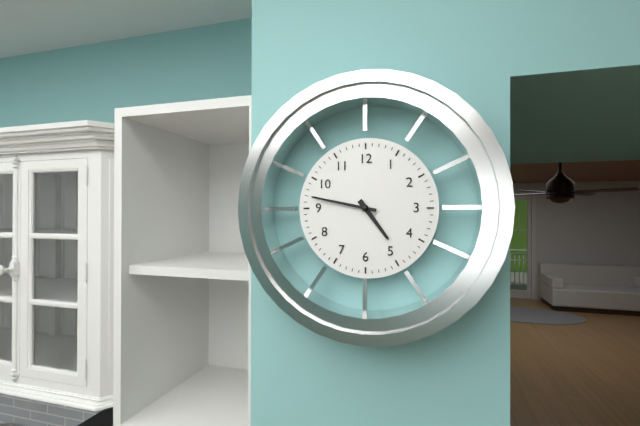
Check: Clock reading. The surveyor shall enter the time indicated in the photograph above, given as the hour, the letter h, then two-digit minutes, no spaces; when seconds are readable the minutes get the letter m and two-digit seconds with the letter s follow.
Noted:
4h47
